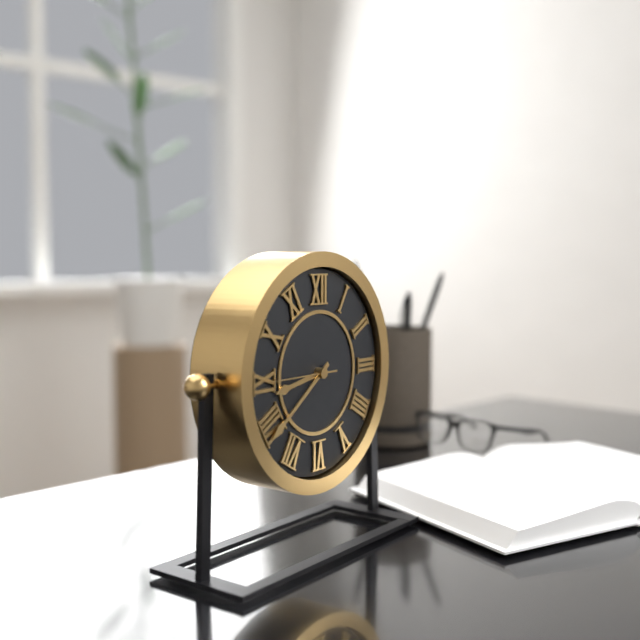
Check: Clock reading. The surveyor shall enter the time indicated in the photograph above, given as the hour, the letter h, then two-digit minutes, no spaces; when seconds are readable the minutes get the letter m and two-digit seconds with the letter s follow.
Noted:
8h39m45s
